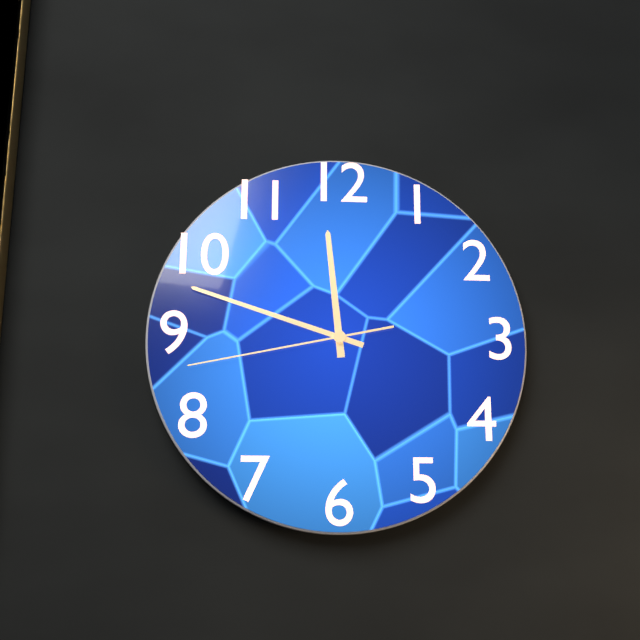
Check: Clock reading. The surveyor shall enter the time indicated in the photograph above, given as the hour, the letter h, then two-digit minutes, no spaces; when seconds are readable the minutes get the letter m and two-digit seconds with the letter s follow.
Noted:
11h48m43s
